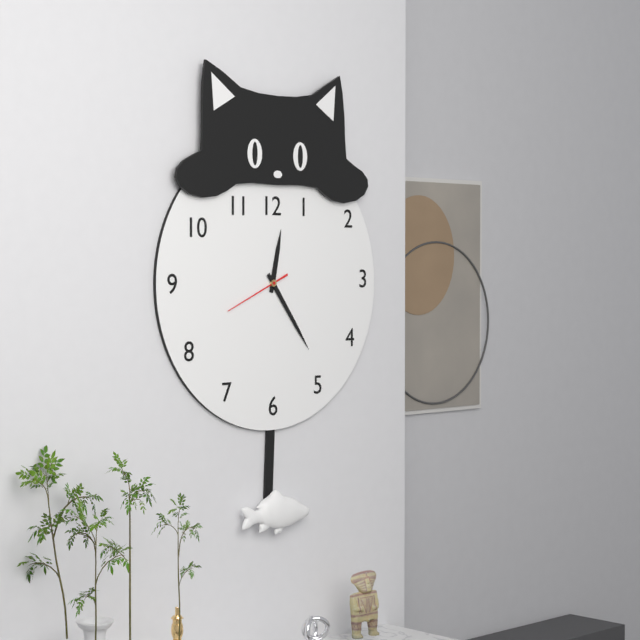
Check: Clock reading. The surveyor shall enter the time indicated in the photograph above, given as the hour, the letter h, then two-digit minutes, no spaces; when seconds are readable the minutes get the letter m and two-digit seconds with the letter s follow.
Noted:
12h24m41s
